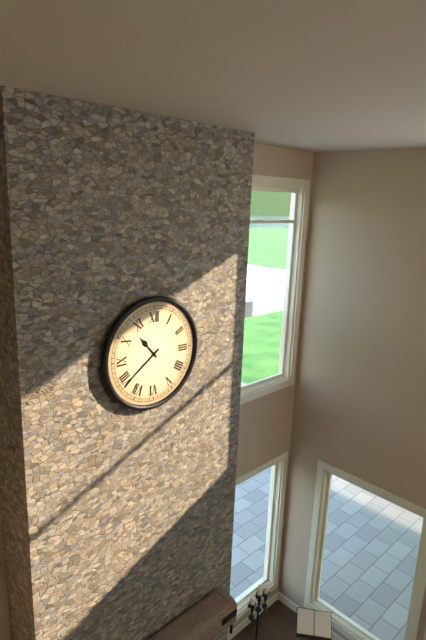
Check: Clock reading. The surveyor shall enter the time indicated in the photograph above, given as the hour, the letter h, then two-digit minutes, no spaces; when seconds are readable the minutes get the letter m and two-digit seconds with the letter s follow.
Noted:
10h39
